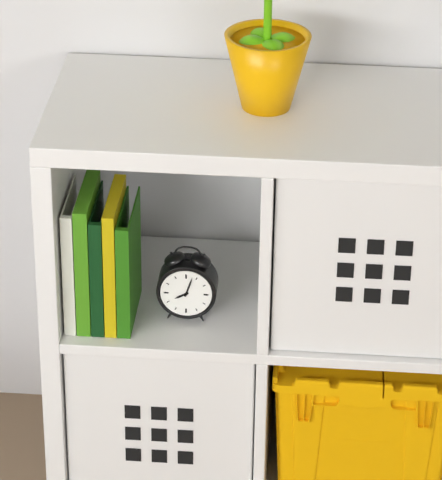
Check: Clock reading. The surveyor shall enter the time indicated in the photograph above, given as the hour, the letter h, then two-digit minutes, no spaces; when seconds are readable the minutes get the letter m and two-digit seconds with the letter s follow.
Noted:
8h03
